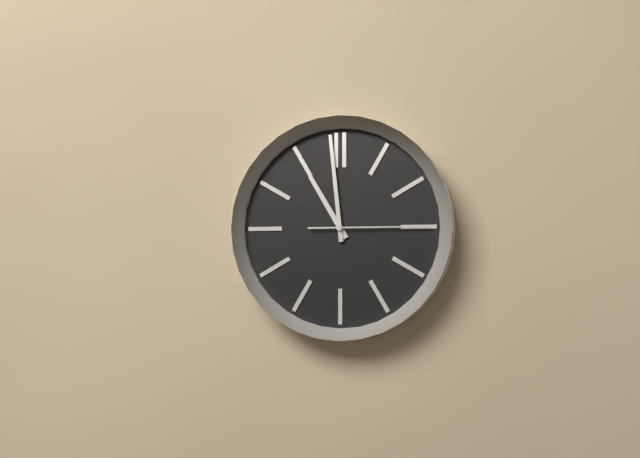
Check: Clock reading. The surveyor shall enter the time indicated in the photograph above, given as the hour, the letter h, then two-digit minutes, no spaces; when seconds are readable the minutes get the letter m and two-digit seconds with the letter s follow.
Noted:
10h59m15s
